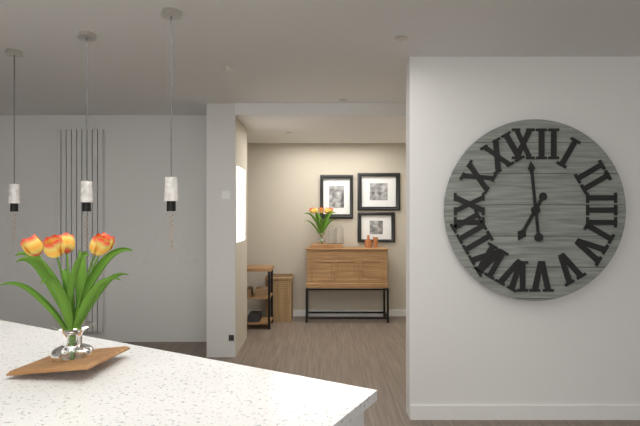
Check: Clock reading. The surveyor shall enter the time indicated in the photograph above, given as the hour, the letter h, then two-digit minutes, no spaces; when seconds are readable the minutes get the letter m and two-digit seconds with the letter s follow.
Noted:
6h59
